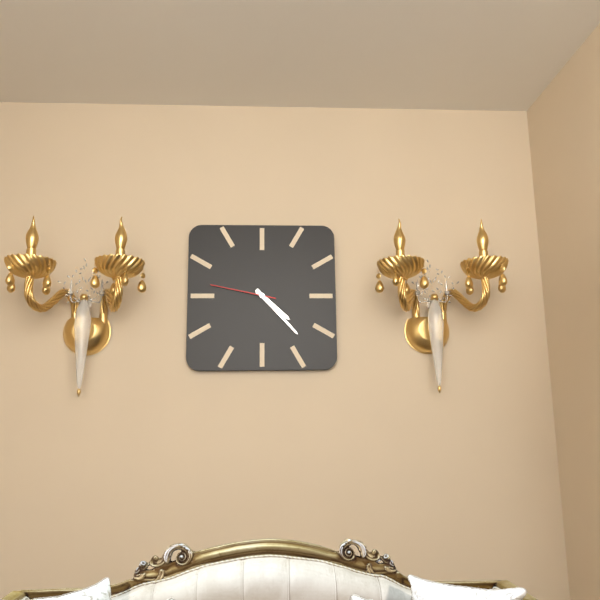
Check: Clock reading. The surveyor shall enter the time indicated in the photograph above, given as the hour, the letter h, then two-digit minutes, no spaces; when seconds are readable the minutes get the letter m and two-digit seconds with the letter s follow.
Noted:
4h23m47s
